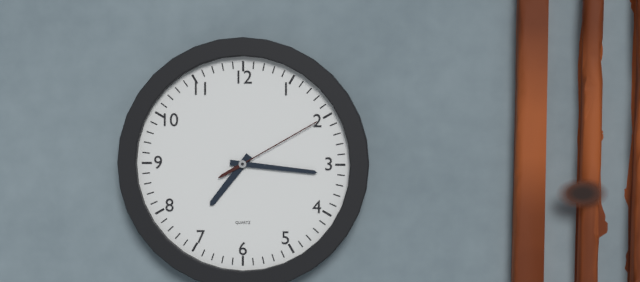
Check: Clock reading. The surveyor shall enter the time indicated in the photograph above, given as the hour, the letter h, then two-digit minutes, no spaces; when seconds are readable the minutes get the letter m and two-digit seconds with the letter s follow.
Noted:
7h16m10s
